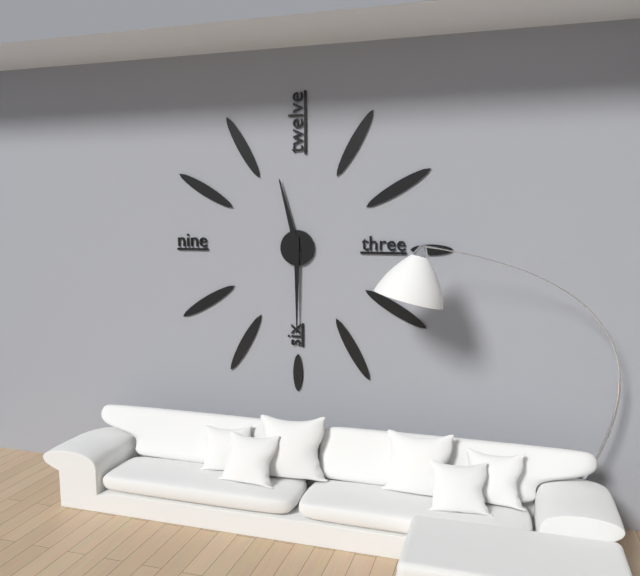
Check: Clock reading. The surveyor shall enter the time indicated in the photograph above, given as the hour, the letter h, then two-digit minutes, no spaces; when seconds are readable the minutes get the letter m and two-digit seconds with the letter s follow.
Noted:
11h30
